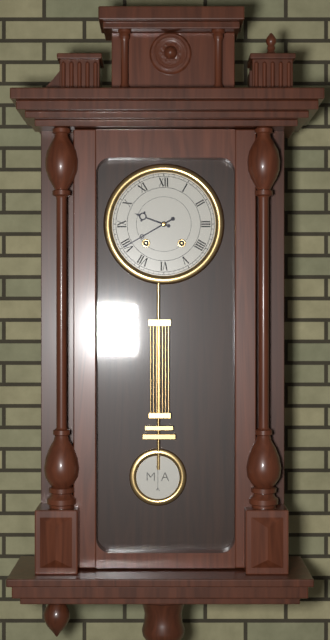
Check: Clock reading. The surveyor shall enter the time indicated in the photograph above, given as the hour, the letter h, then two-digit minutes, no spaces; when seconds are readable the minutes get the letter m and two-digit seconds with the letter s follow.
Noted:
9h40
